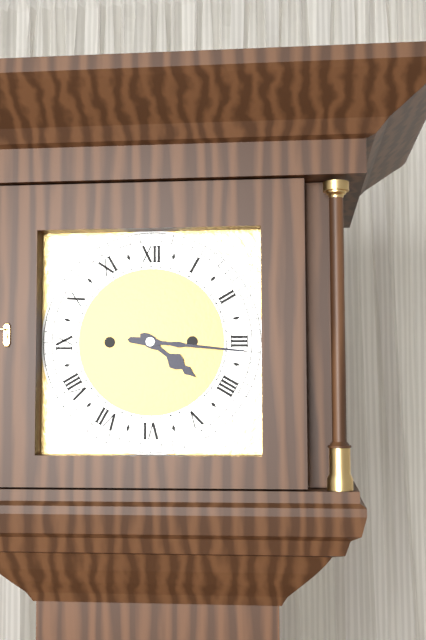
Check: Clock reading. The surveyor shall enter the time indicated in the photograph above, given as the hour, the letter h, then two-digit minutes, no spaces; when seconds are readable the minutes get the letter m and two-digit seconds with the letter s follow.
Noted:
4h16
